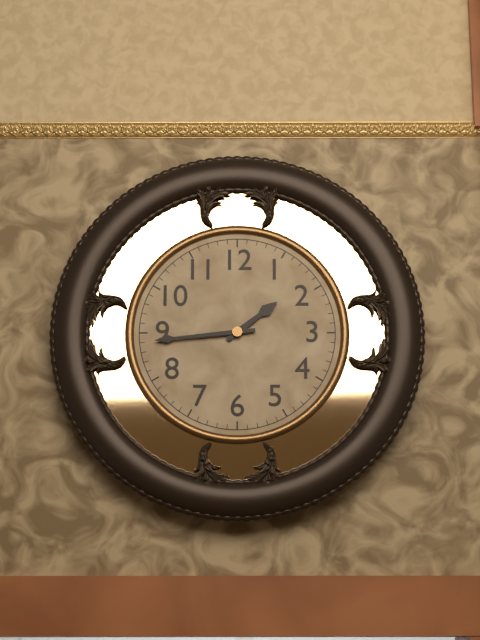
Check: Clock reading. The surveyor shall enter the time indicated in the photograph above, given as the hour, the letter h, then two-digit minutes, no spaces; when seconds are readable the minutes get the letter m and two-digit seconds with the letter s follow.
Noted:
1h44
